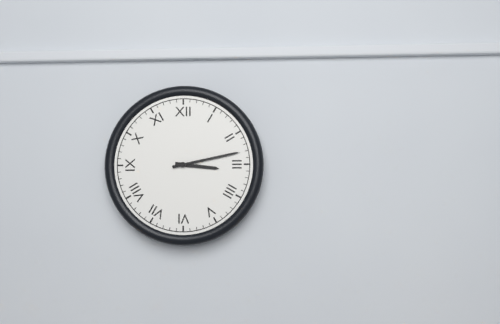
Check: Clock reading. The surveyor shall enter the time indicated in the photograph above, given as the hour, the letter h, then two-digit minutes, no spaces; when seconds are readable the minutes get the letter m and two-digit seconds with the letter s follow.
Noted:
3h13
